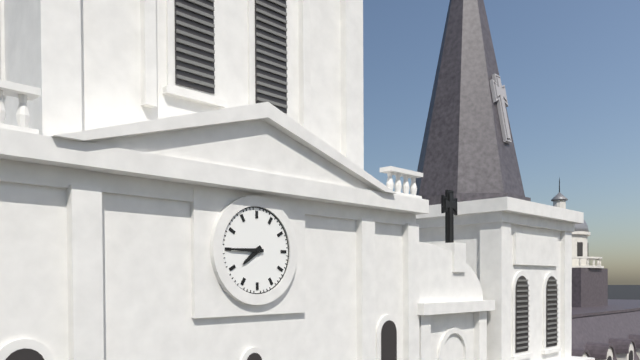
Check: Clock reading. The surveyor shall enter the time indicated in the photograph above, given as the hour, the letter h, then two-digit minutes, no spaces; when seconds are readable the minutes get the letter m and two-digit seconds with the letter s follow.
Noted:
7h45
